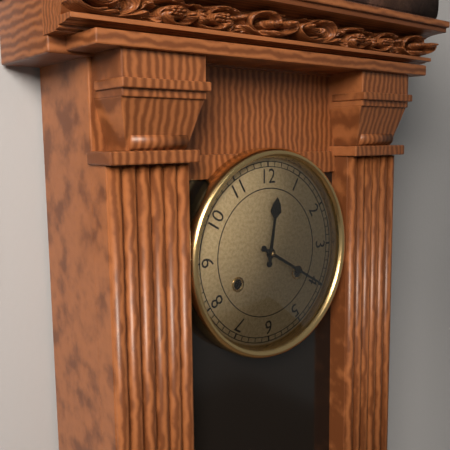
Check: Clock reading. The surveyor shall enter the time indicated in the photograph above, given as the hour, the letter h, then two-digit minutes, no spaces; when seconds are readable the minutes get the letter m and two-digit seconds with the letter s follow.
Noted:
12h20
